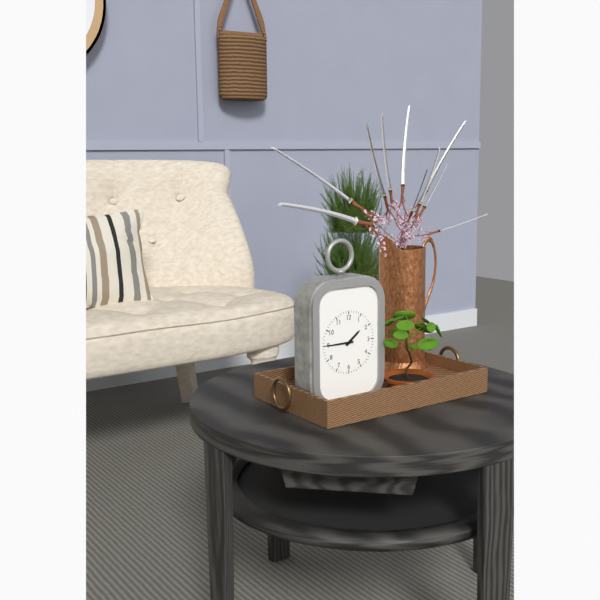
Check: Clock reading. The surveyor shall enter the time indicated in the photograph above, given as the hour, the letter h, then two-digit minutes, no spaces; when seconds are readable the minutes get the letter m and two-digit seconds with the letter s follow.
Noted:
1h45
